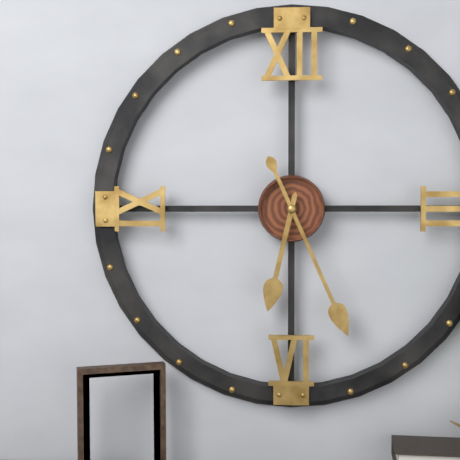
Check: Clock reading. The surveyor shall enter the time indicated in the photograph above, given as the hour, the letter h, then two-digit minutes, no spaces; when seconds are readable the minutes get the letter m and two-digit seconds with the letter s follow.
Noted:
6h26
